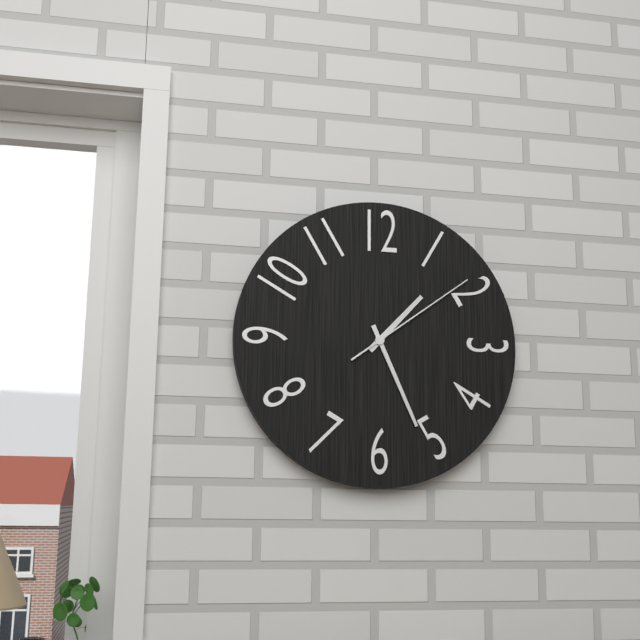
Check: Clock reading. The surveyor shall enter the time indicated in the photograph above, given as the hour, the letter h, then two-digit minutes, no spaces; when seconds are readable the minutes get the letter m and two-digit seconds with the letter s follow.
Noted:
1h26m09s
